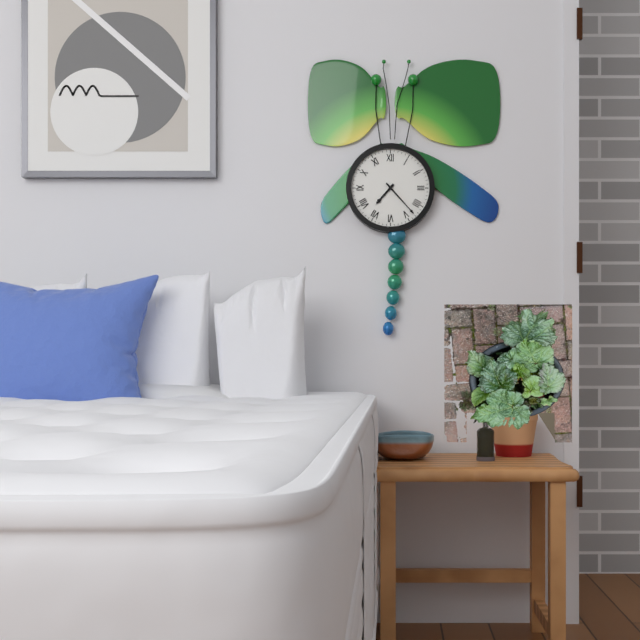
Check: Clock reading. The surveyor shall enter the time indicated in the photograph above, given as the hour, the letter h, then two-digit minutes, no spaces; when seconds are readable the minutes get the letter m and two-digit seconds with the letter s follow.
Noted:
7h23
